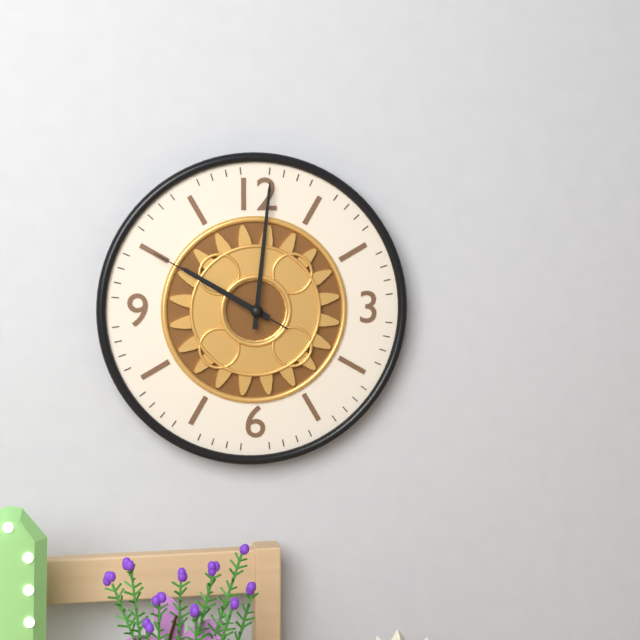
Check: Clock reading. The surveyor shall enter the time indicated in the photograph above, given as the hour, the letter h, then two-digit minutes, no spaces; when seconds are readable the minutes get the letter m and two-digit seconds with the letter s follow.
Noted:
10h01m50s
